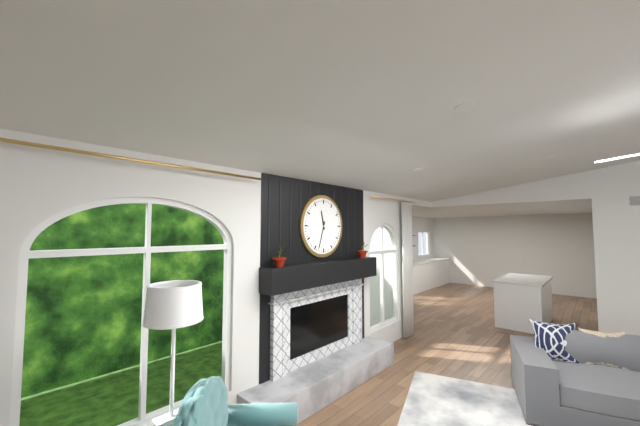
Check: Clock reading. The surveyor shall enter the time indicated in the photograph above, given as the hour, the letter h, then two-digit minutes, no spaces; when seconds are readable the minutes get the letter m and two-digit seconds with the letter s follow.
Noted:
11h33
